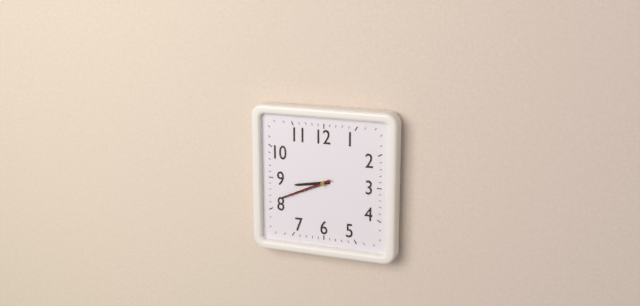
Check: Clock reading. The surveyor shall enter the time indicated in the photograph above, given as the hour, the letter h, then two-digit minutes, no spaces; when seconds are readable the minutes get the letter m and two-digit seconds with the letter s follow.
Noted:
8h41
